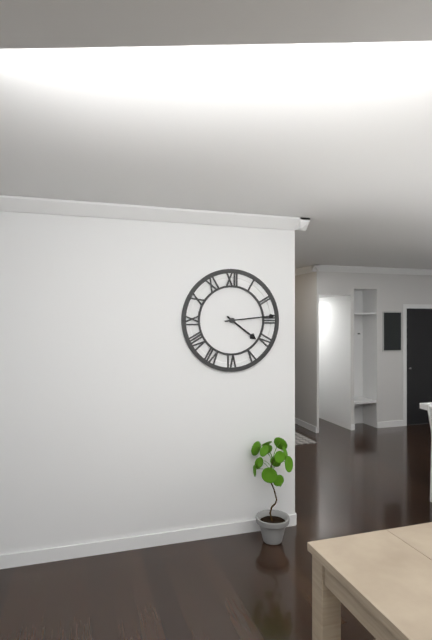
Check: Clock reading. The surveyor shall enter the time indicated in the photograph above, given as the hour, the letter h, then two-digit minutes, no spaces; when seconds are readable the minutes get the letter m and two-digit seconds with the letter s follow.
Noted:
4h14
